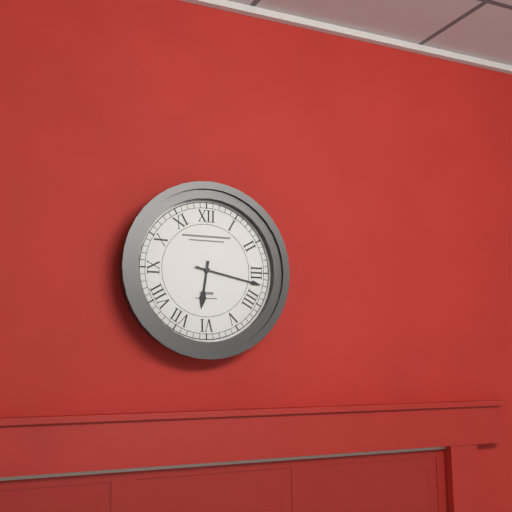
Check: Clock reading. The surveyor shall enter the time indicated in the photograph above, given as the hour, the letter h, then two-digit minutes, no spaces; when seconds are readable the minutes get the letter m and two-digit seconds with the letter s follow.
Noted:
6h17
